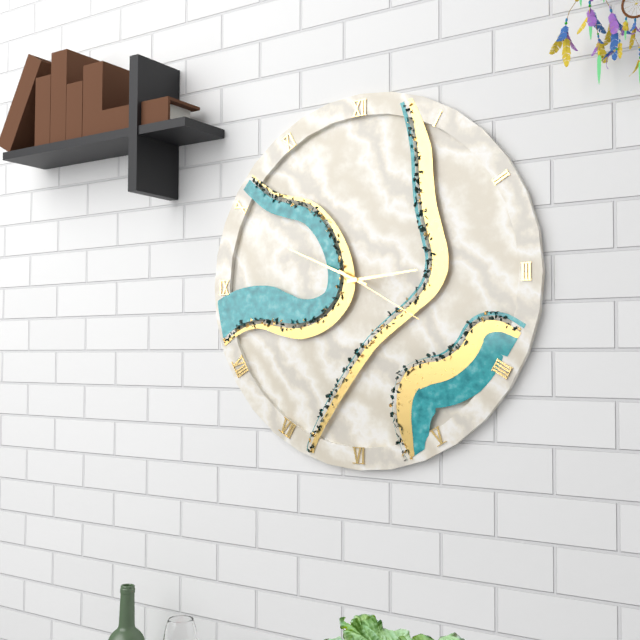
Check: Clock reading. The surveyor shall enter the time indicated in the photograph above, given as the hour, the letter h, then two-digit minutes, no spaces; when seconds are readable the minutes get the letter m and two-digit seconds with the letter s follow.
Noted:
2h49m20s
